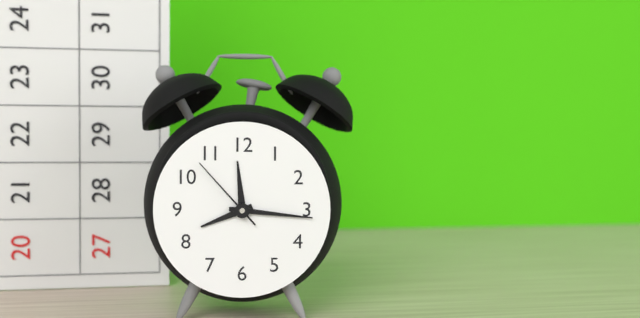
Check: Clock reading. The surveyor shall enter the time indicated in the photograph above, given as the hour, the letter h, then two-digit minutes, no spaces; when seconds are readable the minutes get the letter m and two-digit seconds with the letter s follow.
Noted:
8h16m53s
